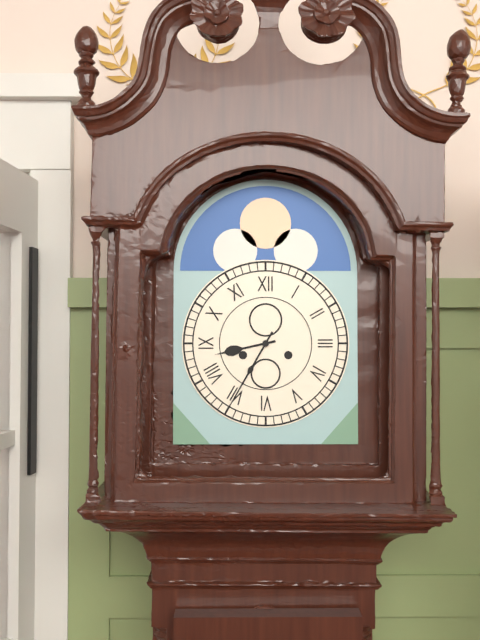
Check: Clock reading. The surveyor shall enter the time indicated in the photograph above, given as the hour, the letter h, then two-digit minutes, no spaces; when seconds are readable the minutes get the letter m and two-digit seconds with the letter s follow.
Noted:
8h35
